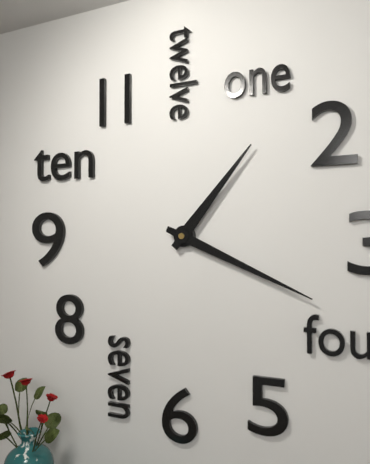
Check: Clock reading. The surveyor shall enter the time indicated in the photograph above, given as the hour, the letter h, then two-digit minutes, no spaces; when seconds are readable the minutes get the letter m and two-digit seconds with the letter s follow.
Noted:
1h19
